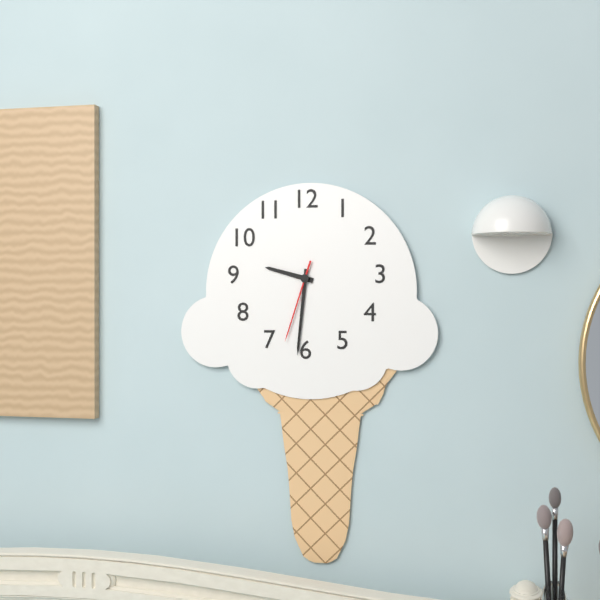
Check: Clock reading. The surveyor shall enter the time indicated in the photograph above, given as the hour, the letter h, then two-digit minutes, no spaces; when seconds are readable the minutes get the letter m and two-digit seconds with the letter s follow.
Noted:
9h31m33s
